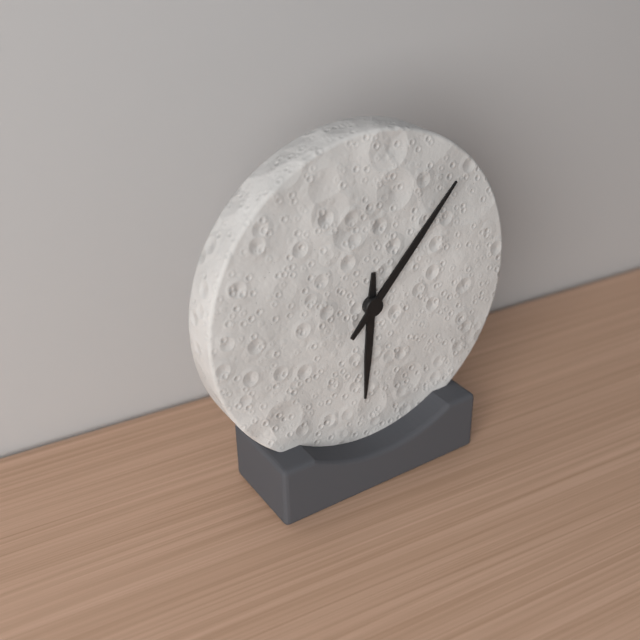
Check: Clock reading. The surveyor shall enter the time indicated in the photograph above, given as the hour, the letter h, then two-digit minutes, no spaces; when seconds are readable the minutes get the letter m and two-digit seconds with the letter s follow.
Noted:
6h07
